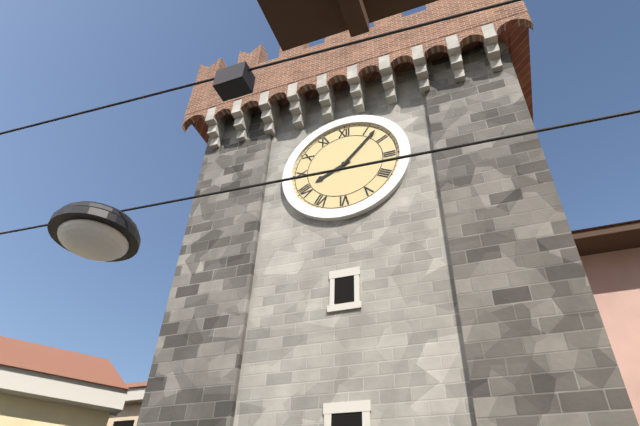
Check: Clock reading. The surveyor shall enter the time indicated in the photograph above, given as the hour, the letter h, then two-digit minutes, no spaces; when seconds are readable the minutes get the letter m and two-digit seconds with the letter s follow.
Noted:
8h07
